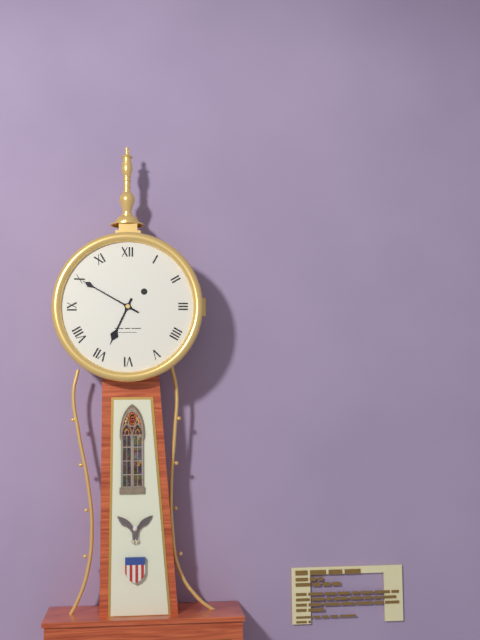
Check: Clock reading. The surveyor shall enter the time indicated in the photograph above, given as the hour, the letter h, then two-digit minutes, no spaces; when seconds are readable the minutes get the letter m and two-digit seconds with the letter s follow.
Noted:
6h50
